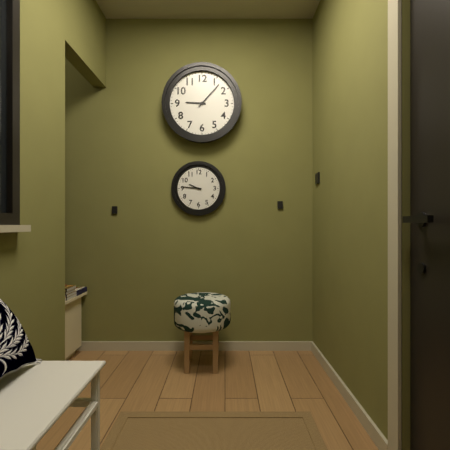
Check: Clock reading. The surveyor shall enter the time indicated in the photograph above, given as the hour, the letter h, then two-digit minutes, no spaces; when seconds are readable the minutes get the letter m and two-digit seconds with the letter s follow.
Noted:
9h07
